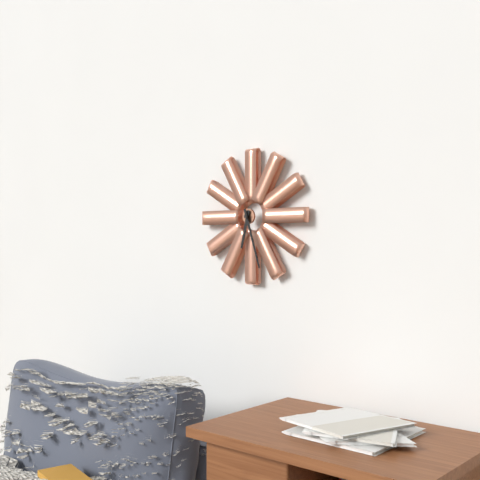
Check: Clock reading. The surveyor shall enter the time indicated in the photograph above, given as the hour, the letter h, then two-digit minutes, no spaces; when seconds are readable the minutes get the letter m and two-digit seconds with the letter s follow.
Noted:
6h27
